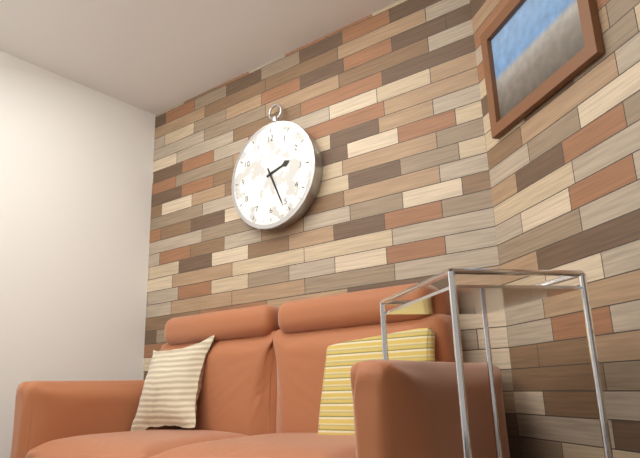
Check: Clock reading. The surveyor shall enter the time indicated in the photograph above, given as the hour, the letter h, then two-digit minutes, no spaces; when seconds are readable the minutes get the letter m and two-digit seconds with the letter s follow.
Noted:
2h26
